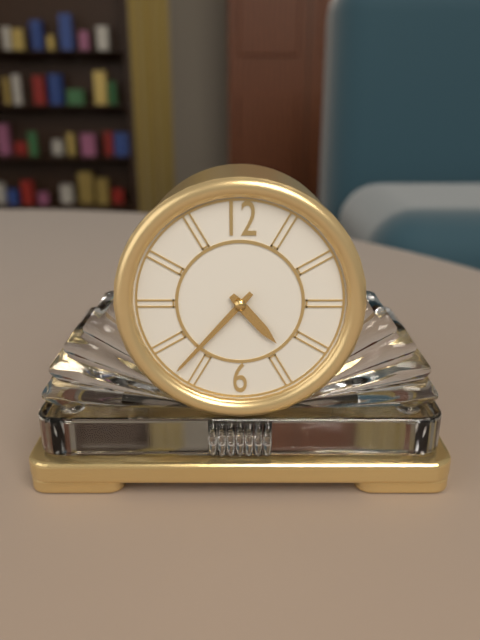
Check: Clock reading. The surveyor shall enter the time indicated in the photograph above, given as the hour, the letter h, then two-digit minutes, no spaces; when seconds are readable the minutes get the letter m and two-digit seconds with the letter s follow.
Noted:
4h37
